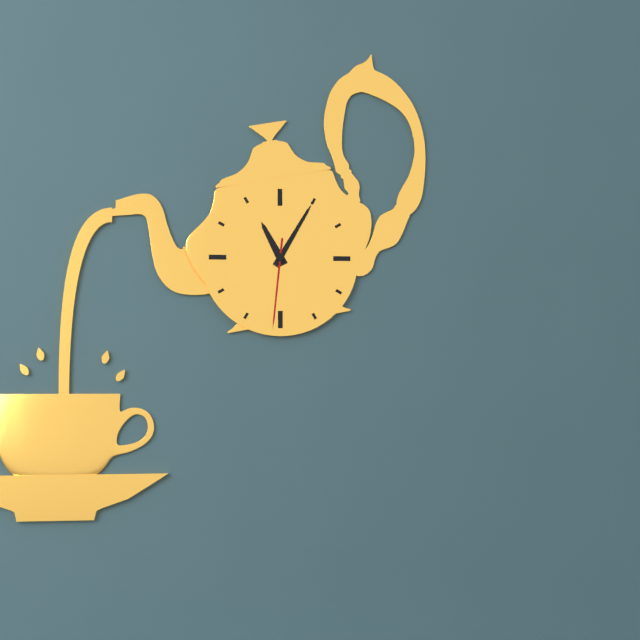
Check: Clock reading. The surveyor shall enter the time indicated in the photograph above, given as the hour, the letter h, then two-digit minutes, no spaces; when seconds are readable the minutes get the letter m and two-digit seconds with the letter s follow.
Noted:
11h05m31s
